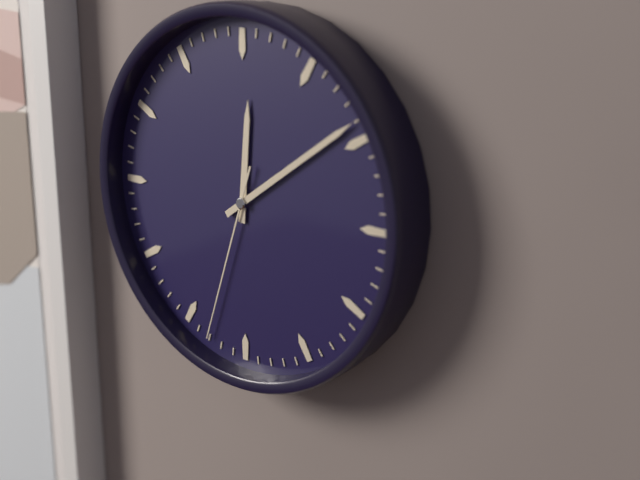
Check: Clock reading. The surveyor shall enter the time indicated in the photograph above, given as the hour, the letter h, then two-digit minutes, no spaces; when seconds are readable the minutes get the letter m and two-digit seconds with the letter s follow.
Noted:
12h09m33s
